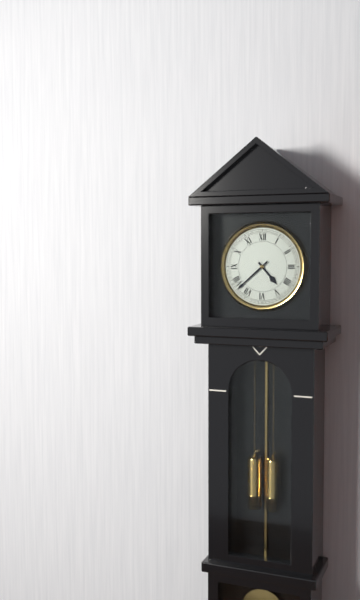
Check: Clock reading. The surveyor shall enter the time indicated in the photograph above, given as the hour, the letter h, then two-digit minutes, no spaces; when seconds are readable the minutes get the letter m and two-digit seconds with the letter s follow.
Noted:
4h38
